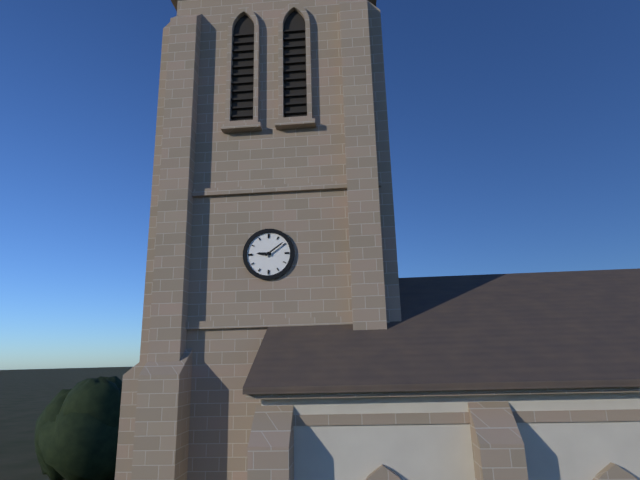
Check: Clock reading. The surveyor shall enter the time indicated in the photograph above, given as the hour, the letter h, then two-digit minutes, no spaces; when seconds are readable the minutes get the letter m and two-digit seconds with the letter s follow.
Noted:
9h09
